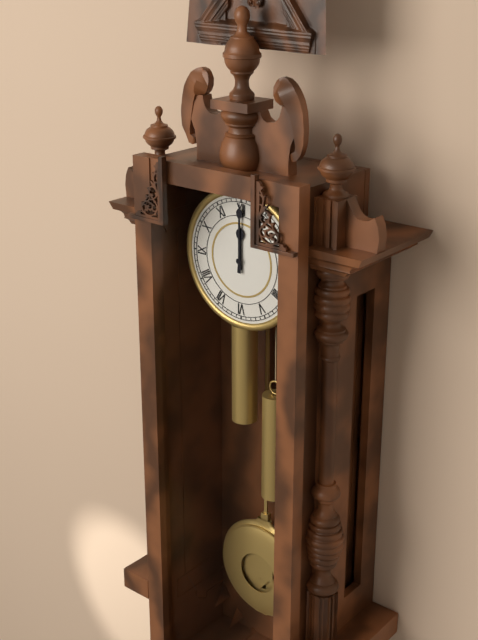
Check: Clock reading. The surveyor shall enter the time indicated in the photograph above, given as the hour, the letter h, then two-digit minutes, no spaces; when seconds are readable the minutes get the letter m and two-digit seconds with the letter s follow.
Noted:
12h00
